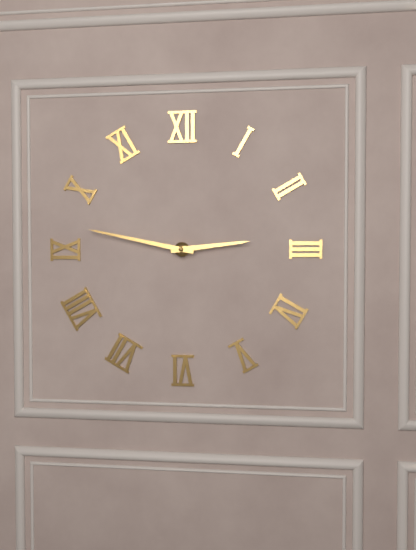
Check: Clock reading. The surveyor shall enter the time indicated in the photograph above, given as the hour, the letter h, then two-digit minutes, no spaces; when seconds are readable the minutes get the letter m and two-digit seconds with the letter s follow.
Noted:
2h47
